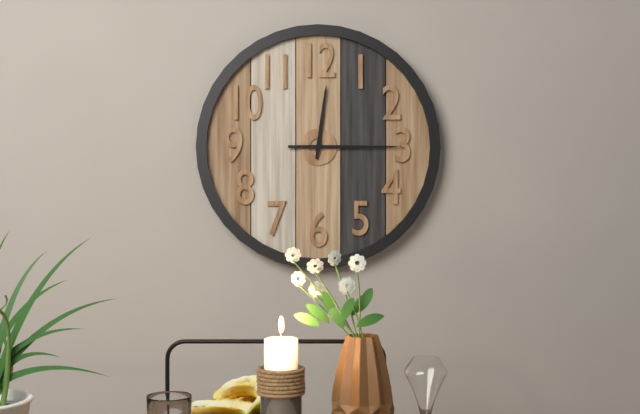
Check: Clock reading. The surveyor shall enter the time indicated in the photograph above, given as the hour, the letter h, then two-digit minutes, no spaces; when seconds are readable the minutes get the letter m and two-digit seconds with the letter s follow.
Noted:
12h15
